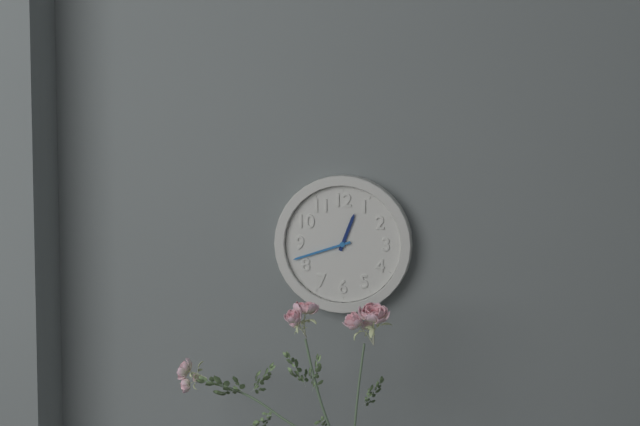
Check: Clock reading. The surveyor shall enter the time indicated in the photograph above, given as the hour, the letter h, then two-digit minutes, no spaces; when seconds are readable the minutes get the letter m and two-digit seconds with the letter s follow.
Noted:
12h42
